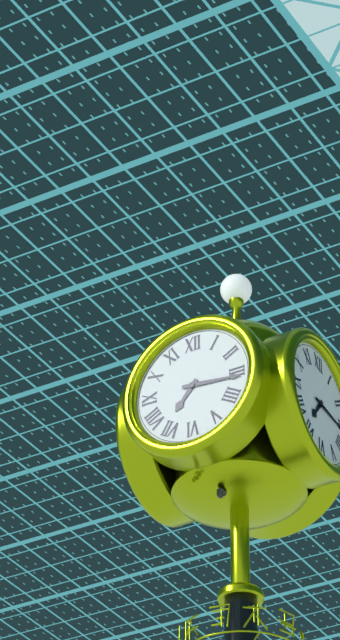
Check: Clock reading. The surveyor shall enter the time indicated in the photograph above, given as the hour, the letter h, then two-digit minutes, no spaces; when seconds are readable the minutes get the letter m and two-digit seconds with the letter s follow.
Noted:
7h16
